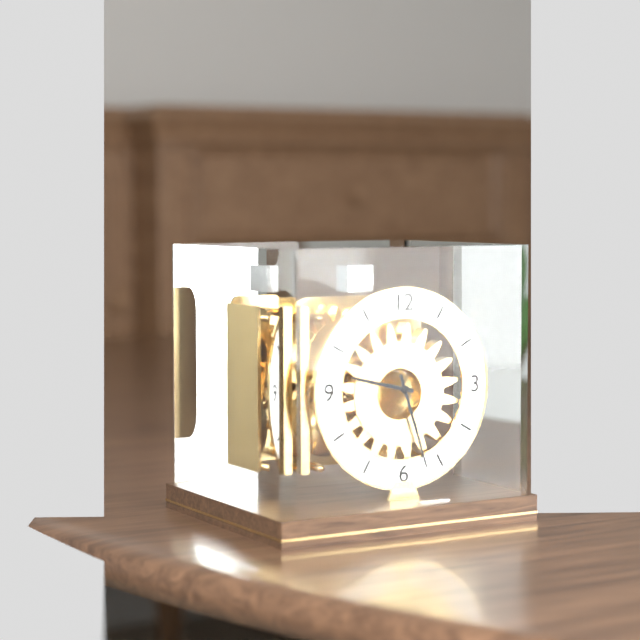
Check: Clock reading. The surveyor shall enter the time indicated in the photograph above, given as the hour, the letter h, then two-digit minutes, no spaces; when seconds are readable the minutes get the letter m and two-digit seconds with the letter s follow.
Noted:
9h27
